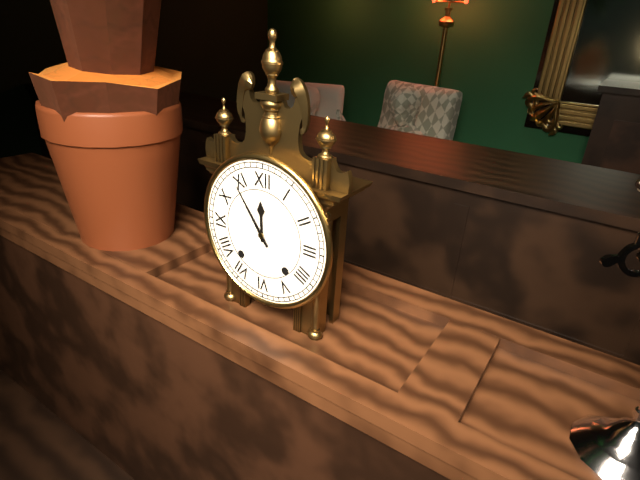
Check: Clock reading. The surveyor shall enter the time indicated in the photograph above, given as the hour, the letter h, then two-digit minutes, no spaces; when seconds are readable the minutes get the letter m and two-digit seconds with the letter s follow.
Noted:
11h54
